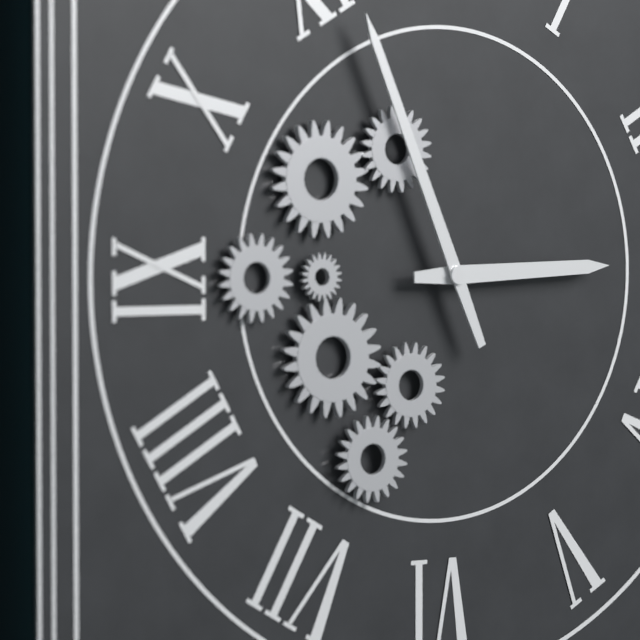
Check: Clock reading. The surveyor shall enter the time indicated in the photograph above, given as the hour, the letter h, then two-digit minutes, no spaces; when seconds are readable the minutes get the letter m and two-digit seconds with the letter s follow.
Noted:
2h56
